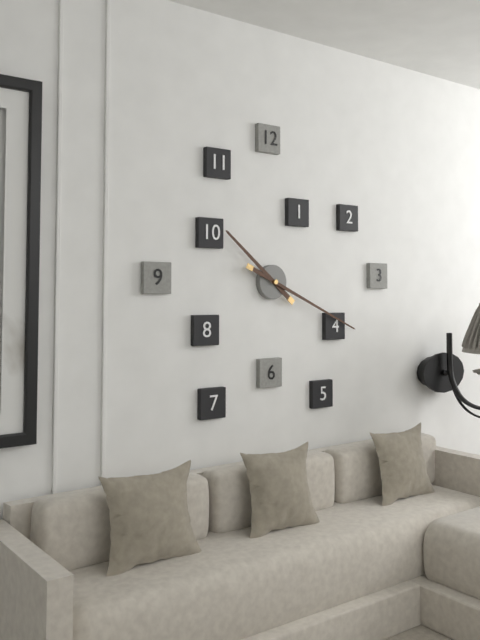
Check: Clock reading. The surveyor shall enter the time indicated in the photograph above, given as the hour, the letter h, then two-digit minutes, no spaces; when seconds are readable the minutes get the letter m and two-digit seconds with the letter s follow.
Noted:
10h19
